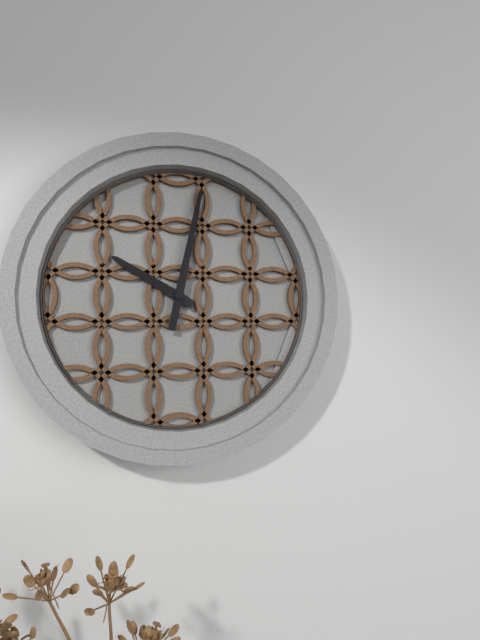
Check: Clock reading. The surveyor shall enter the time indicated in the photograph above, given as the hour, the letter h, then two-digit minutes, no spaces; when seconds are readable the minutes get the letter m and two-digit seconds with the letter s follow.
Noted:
10h02
